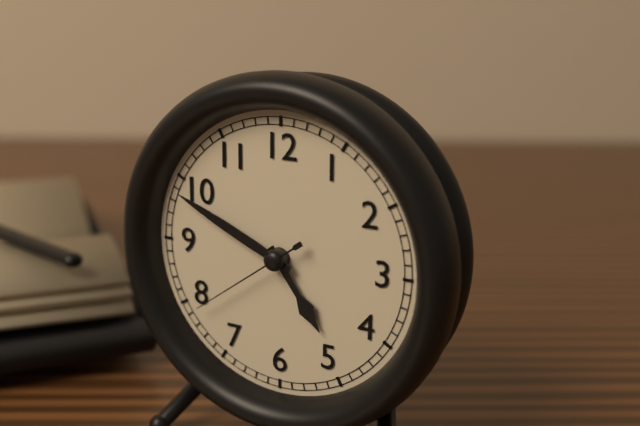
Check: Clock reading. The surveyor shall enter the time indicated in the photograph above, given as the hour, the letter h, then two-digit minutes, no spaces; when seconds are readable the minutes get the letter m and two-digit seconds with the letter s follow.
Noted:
4h49m39s
